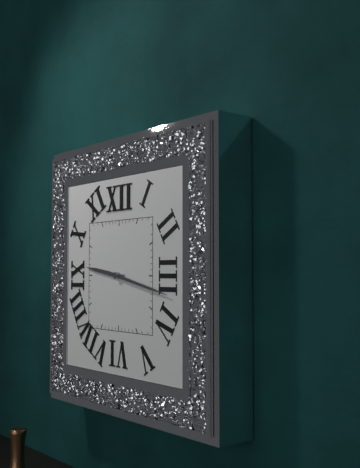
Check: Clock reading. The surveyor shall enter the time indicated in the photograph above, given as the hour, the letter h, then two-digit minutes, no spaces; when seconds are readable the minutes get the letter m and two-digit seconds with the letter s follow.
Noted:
9h17
